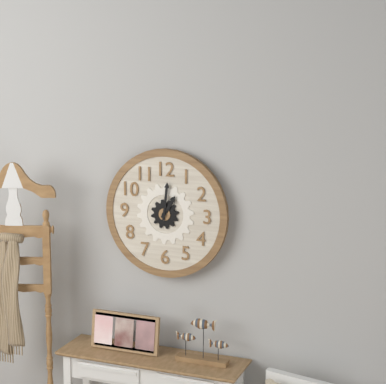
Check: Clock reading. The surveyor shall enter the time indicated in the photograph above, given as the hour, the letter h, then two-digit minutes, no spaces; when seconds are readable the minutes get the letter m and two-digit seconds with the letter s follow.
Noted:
1h01
